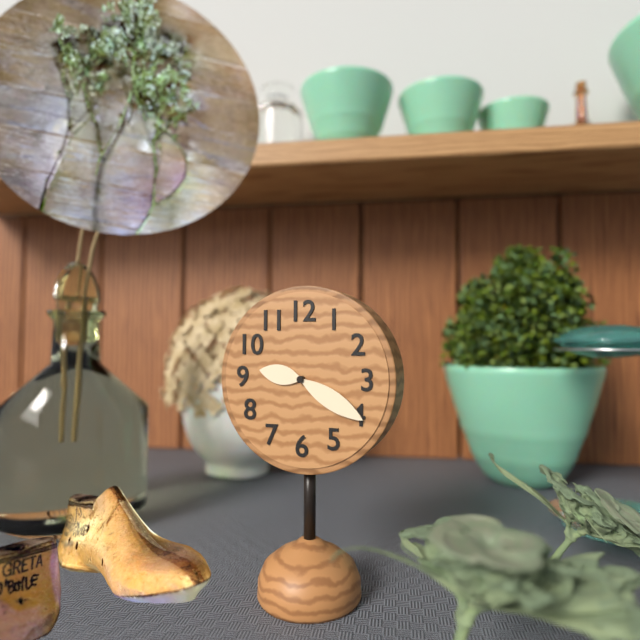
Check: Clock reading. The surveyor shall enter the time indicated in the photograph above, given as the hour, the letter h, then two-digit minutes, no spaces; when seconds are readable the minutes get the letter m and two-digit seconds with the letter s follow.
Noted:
9h20
